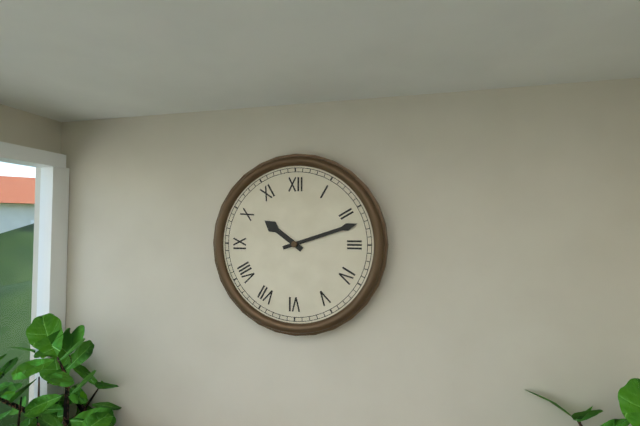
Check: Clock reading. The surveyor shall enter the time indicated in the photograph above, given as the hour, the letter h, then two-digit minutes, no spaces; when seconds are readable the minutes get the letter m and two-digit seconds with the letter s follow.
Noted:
10h12
